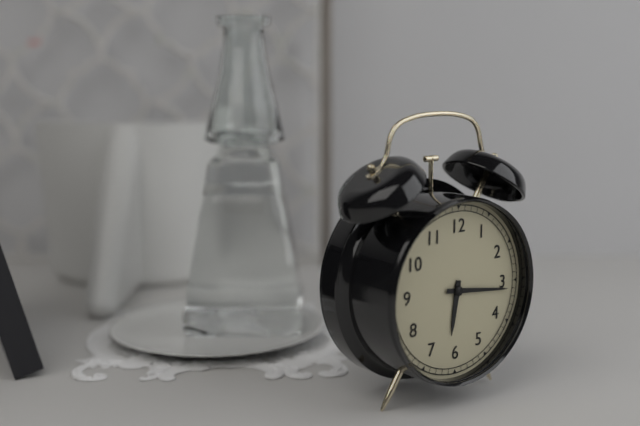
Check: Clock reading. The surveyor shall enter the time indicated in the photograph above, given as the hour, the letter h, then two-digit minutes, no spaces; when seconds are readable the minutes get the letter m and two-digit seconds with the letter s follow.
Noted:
6h16
